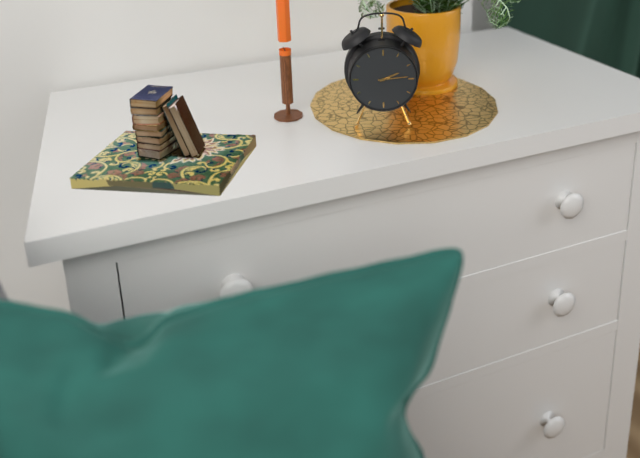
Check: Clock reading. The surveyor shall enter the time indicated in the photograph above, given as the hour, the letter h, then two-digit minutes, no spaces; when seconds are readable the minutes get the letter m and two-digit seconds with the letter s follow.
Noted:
2h14
